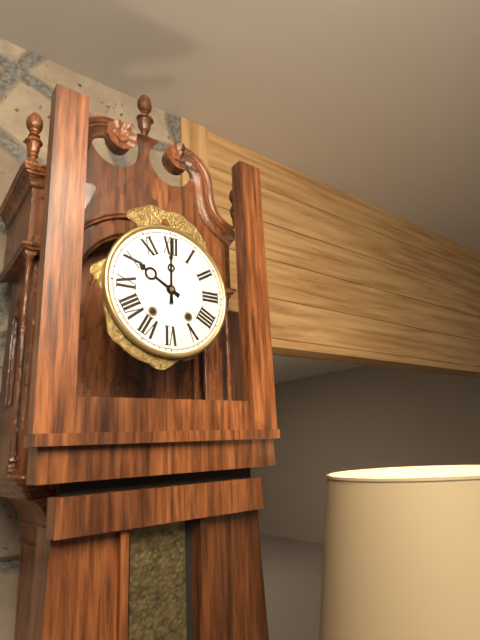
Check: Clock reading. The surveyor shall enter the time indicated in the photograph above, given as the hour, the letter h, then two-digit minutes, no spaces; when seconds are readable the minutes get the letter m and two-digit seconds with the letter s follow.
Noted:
10h00
